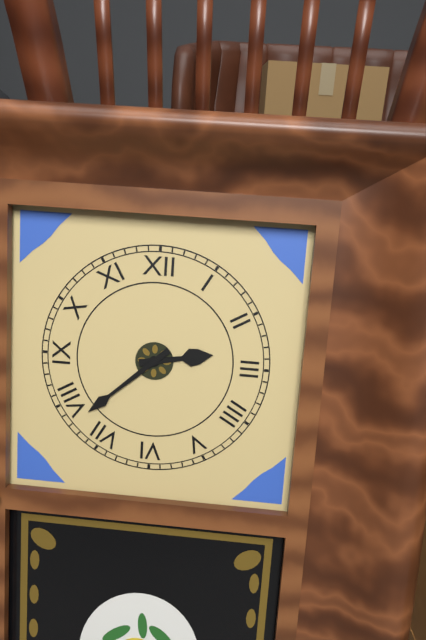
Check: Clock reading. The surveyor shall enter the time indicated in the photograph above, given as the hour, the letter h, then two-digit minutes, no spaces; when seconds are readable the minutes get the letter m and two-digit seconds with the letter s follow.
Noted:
2h38
